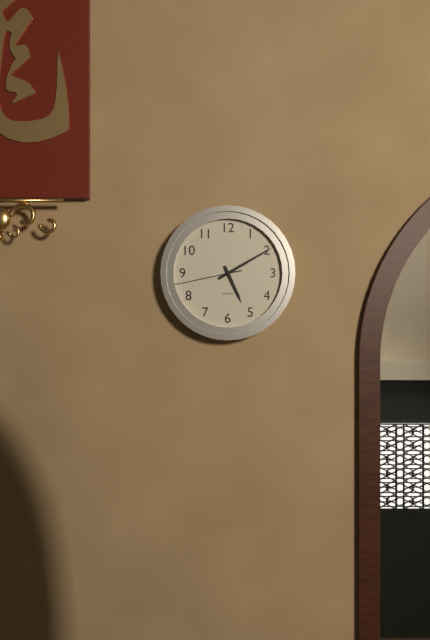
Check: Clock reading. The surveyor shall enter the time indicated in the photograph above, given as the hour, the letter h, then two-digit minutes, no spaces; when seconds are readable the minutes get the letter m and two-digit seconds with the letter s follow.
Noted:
5h10m43s
